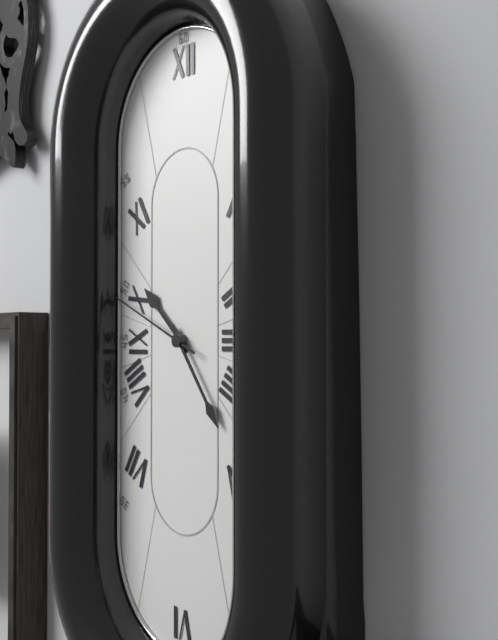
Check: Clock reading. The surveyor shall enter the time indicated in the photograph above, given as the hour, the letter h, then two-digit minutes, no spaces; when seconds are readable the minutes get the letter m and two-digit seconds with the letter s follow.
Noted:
10h24m49s
